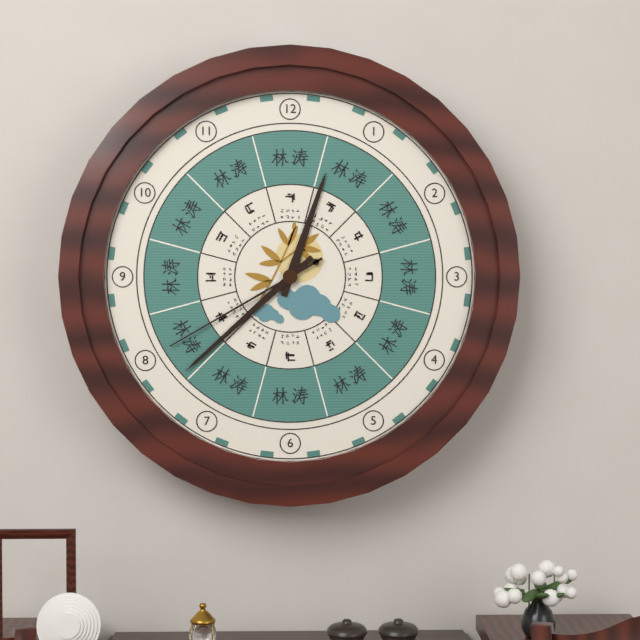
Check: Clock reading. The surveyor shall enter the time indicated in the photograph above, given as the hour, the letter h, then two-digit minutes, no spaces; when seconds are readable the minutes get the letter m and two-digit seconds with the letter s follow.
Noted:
12h38m40s
